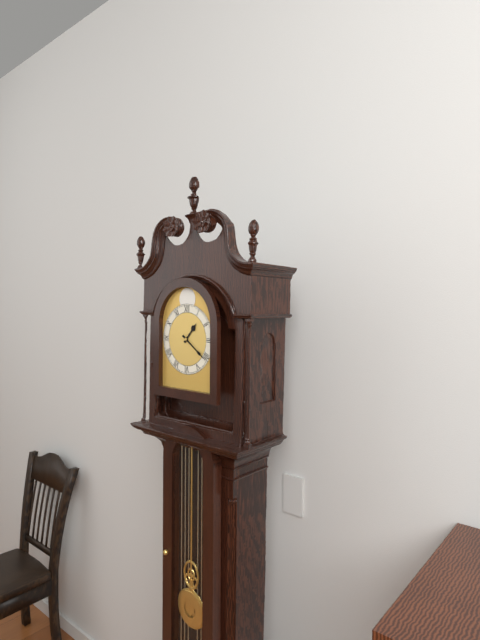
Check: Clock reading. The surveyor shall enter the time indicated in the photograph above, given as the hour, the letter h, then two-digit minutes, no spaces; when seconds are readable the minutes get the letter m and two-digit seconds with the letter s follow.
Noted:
1h21
